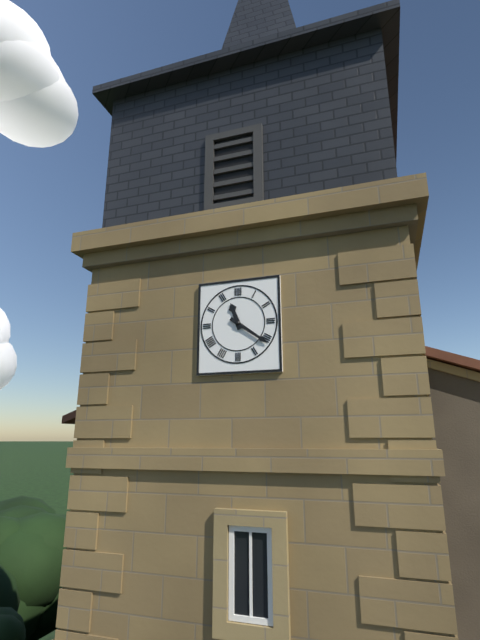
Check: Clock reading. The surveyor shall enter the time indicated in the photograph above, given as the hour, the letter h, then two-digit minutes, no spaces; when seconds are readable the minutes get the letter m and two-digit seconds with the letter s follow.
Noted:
11h21
